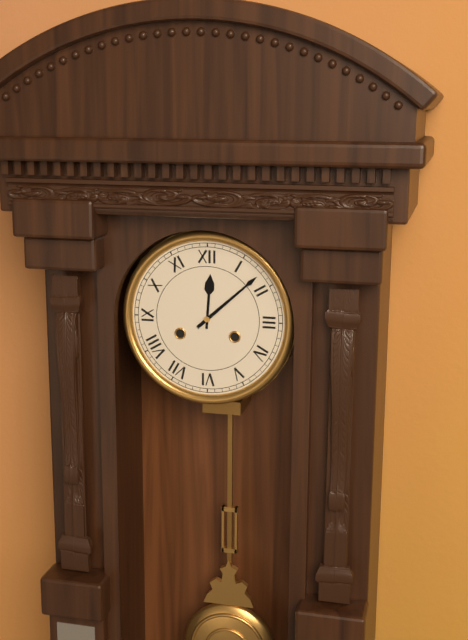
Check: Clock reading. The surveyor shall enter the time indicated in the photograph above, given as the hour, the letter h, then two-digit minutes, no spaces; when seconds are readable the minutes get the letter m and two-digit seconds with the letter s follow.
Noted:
12h08
